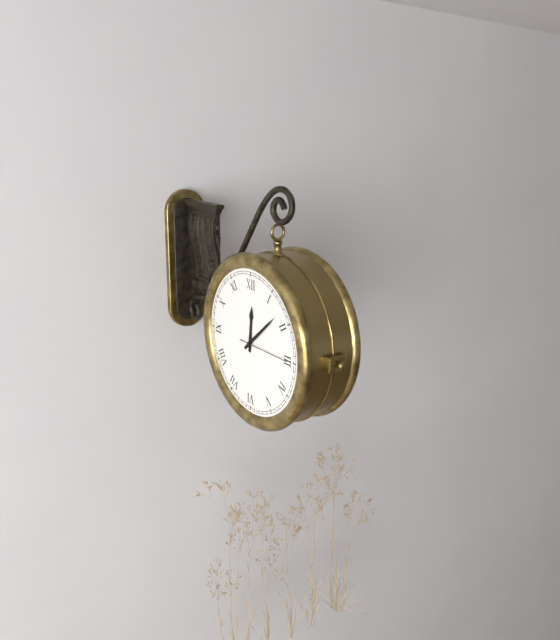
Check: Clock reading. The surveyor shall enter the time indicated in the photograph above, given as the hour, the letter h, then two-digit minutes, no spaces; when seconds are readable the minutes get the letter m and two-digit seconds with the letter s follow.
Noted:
12h08m15s
